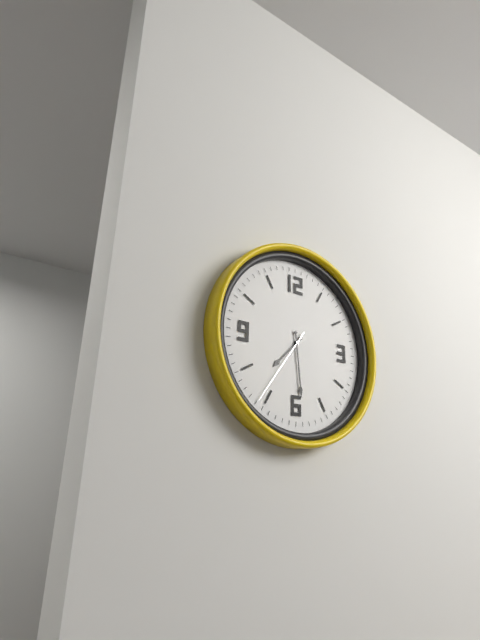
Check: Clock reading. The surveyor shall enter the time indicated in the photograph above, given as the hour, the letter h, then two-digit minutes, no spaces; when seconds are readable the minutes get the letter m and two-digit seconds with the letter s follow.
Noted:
7h29m36s
